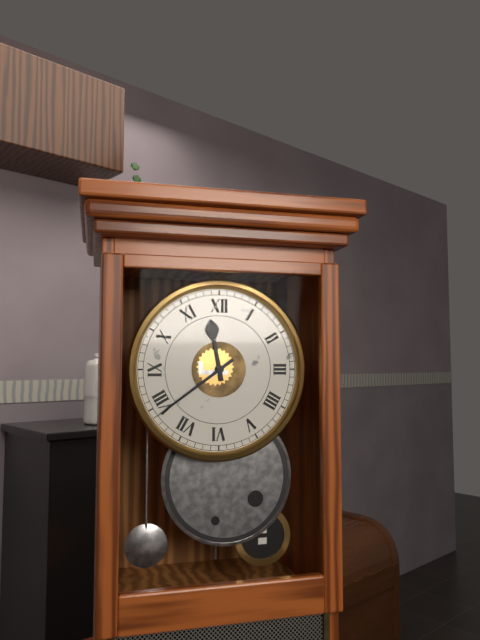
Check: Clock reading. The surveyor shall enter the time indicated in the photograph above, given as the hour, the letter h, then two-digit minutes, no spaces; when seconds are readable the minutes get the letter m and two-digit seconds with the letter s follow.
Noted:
11h39
